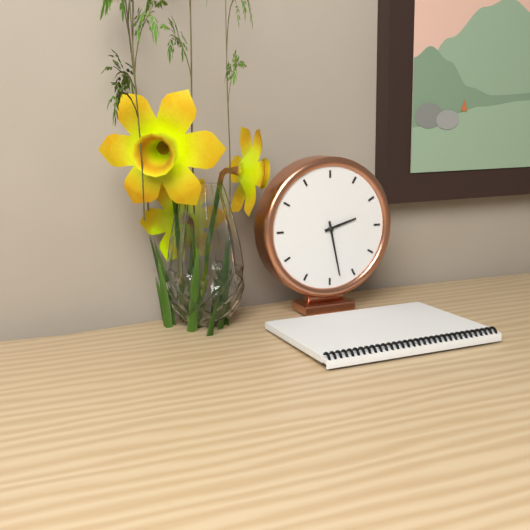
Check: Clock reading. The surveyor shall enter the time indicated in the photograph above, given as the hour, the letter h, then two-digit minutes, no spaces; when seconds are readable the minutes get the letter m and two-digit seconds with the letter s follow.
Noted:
2h28
